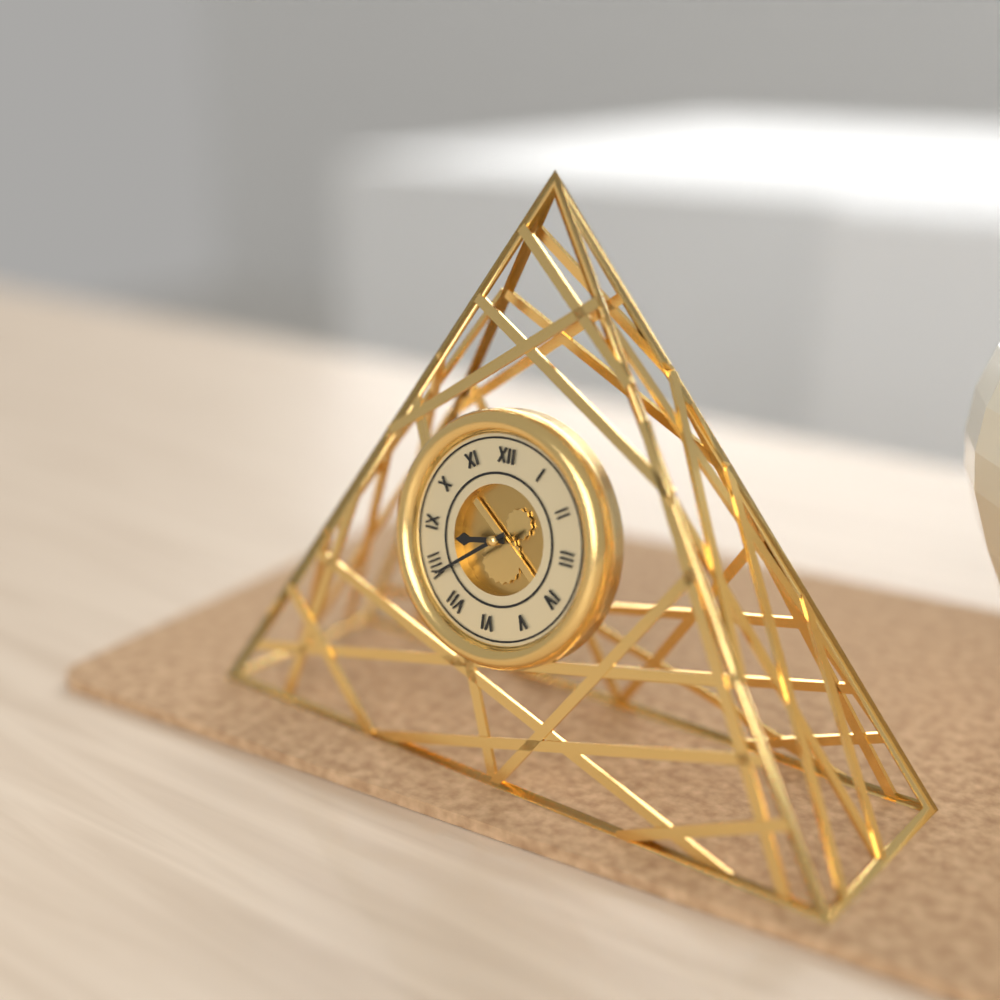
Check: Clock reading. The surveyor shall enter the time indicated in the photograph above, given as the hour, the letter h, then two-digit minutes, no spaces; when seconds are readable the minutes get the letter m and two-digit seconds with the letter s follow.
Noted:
8h39
